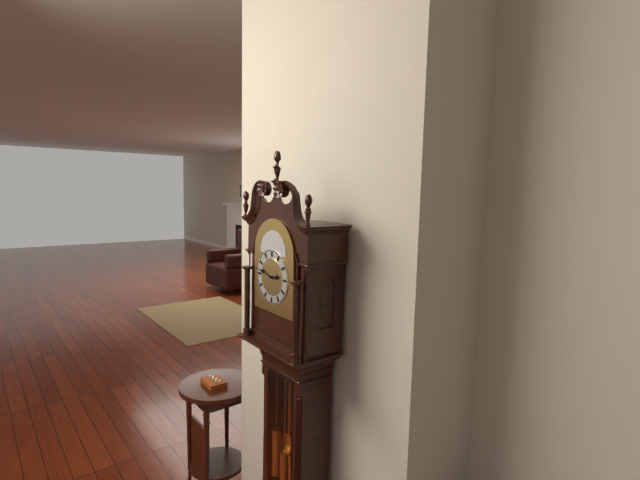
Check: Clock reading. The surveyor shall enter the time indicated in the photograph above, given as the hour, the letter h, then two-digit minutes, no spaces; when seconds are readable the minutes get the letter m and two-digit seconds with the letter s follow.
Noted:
2h47
